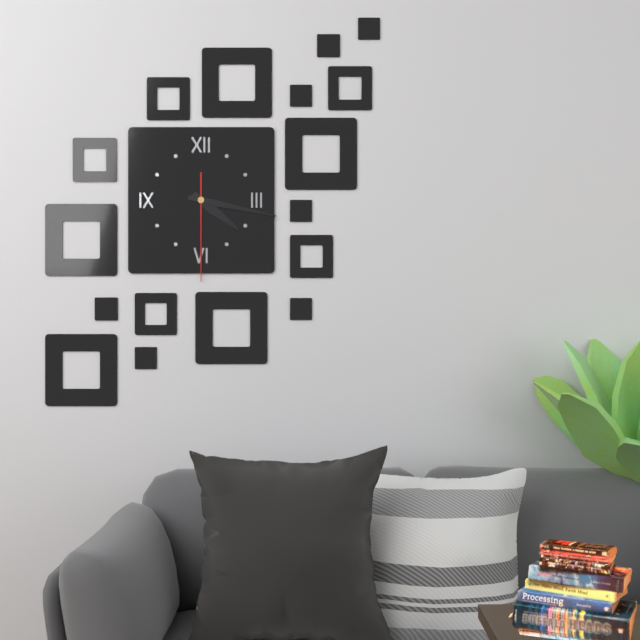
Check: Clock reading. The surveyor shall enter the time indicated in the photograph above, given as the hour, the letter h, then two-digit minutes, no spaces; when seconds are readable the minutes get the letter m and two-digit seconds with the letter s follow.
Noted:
4h17m30s
